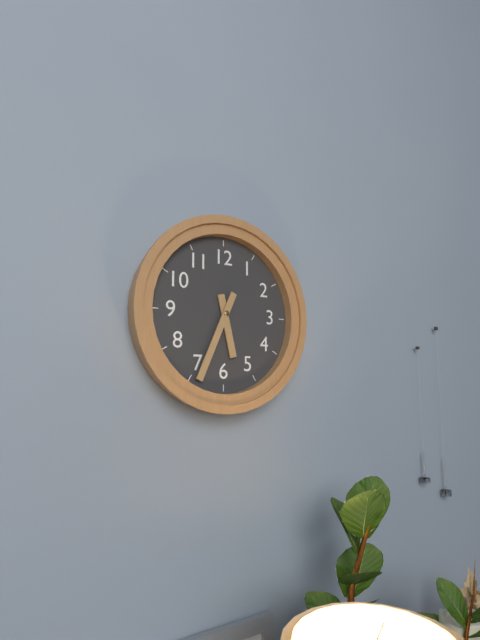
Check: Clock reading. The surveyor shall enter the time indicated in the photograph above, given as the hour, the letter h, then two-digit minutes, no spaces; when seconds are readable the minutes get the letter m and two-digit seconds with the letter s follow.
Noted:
5h34
